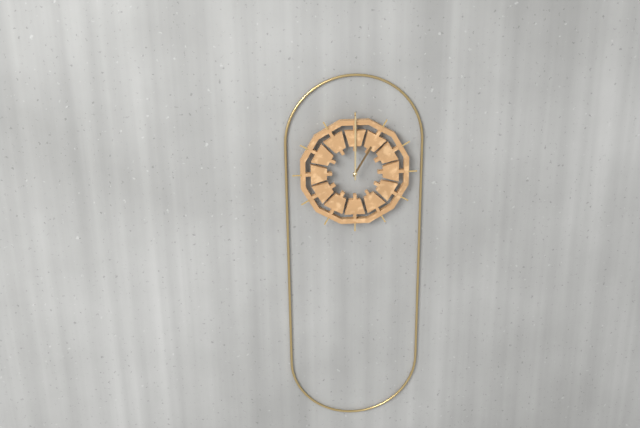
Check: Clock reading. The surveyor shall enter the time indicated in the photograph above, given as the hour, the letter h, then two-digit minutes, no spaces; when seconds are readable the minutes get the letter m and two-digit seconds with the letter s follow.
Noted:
1h00
